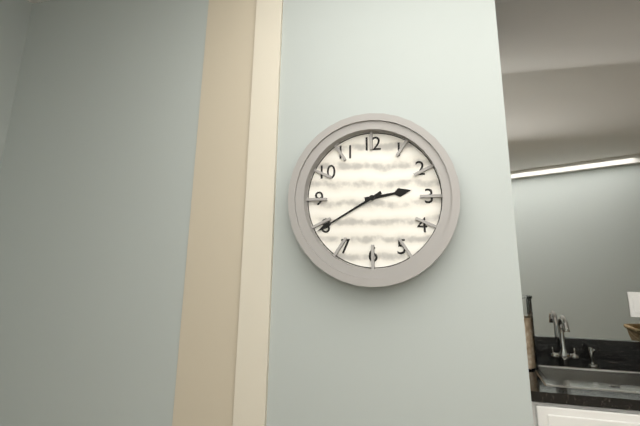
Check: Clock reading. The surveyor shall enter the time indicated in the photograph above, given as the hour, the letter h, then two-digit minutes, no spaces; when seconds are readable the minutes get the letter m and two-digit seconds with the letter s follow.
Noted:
2h40
